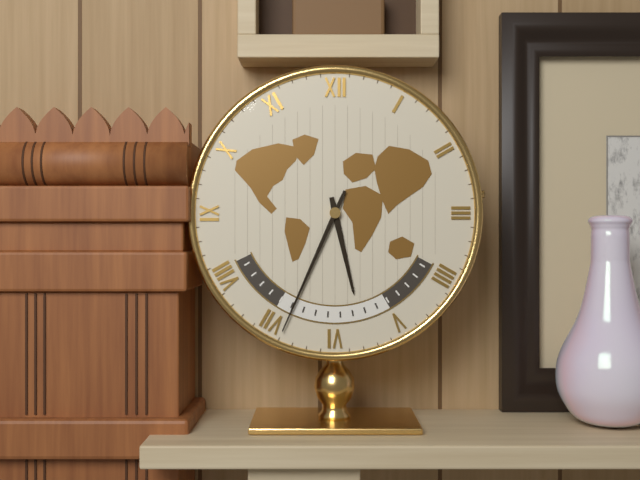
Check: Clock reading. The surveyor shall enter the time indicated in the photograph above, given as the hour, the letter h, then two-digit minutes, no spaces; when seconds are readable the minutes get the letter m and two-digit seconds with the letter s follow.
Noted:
5h34
